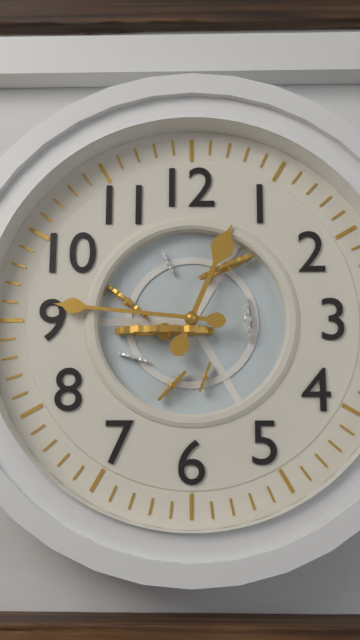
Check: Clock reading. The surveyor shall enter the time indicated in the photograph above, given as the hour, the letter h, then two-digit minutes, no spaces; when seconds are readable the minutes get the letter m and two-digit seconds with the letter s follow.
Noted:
12h46
